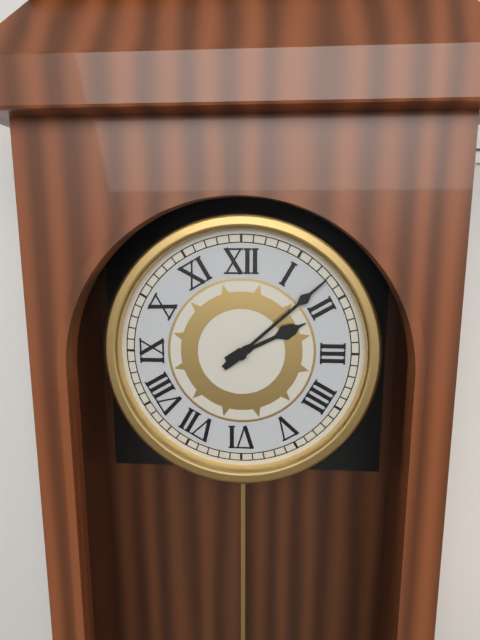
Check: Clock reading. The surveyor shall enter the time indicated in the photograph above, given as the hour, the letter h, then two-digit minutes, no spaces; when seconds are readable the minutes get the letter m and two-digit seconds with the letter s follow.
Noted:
2h08
